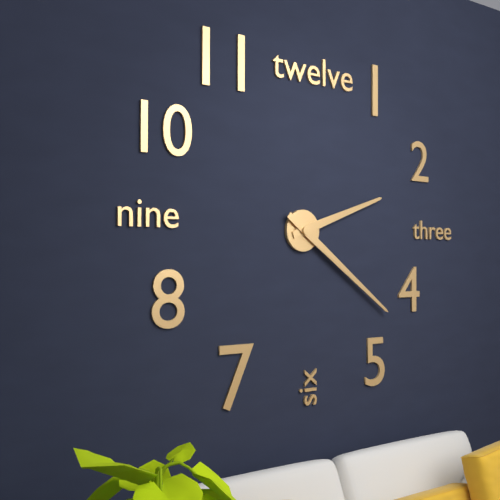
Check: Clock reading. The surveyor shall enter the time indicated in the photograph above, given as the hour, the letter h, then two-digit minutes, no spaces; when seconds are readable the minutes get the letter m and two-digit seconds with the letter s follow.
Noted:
2h21
